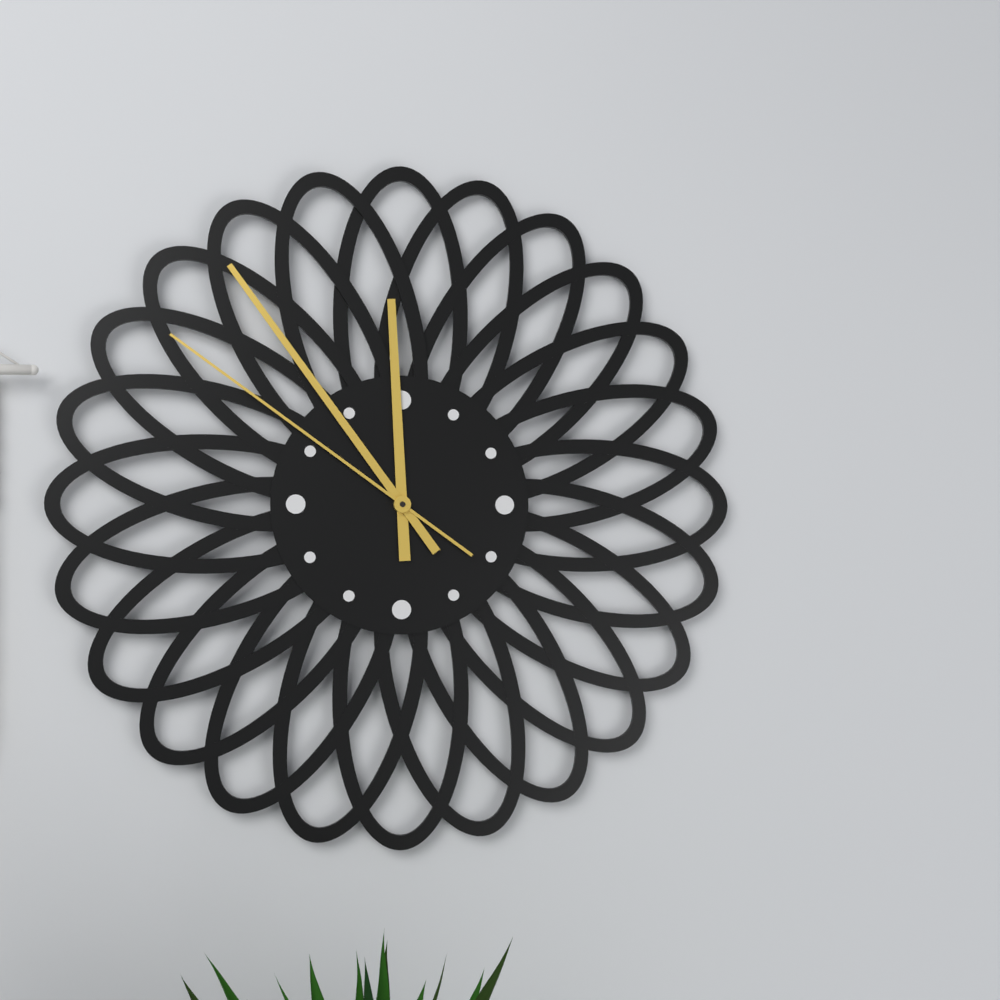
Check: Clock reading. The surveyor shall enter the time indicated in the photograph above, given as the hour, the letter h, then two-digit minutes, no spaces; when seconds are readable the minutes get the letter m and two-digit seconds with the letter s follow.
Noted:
11h54m51s
